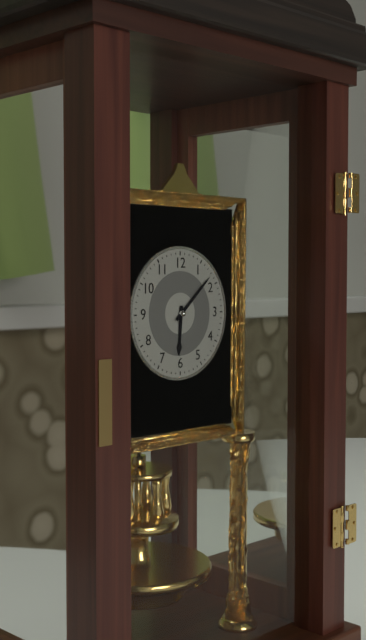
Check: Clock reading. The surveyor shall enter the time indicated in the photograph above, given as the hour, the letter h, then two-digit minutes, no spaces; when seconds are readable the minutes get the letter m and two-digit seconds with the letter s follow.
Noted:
6h08
